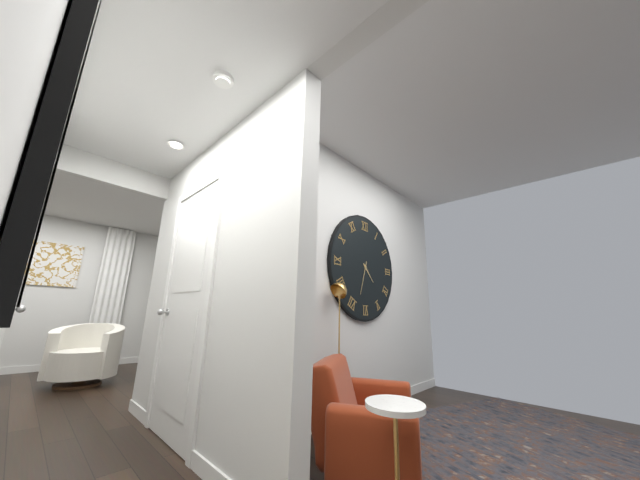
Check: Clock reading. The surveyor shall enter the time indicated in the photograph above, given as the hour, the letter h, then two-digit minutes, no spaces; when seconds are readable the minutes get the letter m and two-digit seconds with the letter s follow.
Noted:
4h33
